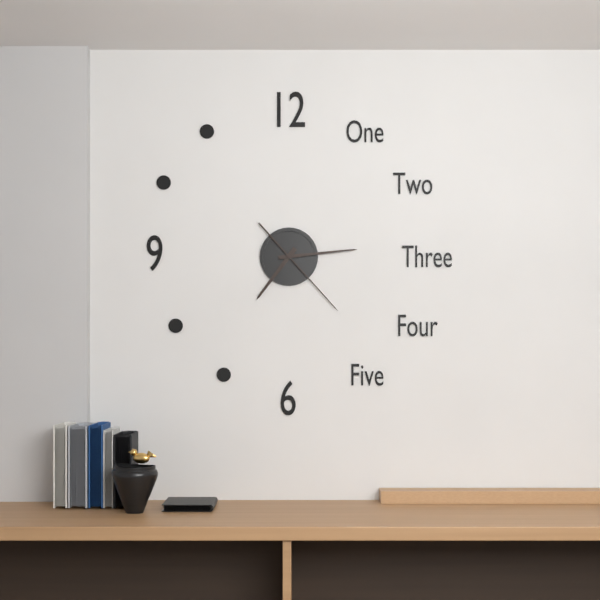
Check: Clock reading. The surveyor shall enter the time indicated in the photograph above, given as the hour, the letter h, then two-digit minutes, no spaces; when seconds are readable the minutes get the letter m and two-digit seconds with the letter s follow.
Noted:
7h14m23s
